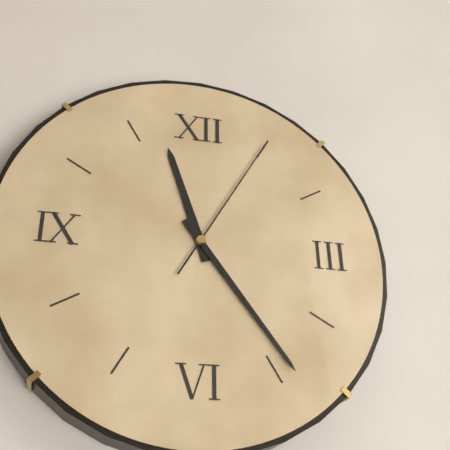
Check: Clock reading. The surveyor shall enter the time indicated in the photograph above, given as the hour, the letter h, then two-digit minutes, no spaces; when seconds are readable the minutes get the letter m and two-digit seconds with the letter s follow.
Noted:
11h24m05s
